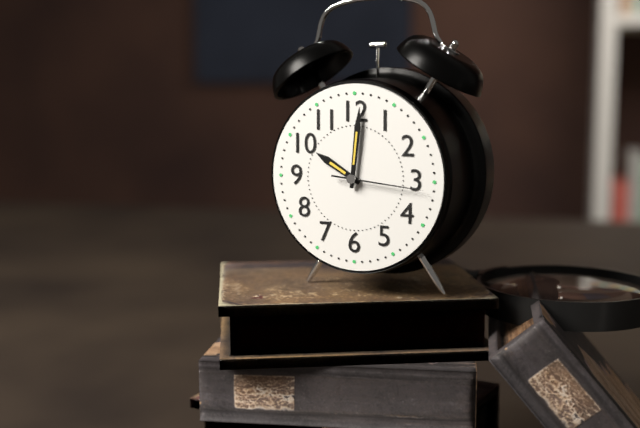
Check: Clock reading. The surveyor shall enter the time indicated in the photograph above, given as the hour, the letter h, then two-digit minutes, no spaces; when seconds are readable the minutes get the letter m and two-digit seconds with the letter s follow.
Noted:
10h01m16s
